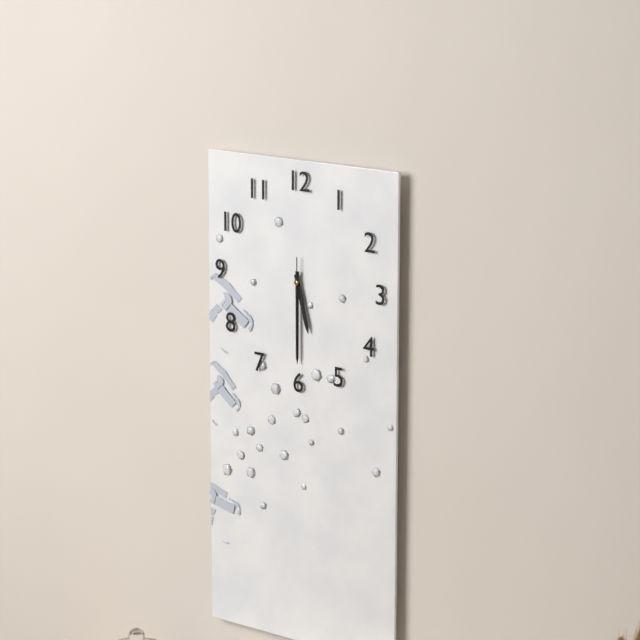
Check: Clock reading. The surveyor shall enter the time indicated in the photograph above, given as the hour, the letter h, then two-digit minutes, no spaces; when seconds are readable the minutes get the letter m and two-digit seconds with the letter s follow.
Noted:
5h30m30s
